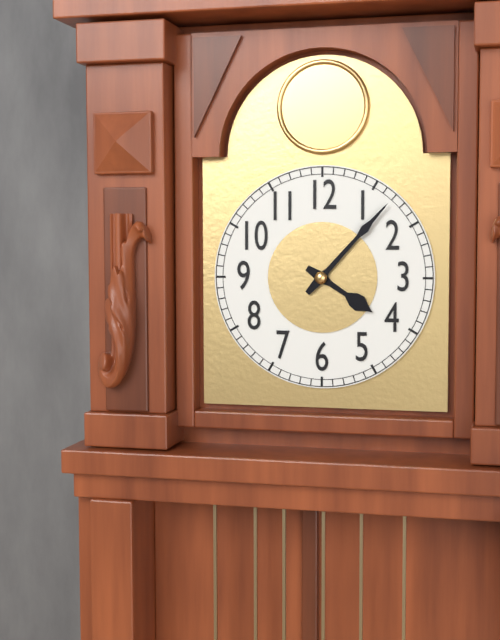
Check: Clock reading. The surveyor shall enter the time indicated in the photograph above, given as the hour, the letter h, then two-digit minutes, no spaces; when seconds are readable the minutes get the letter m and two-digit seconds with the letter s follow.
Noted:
4h07
